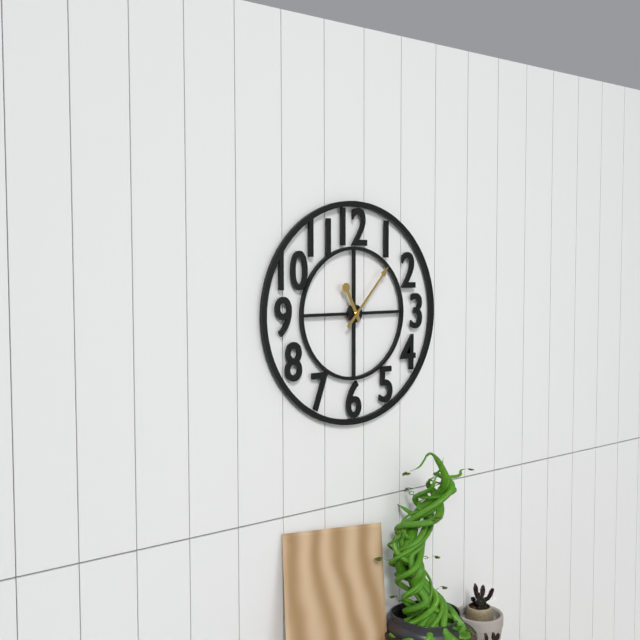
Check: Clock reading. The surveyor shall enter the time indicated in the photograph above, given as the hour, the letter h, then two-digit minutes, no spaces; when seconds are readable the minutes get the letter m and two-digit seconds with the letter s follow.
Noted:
11h07
